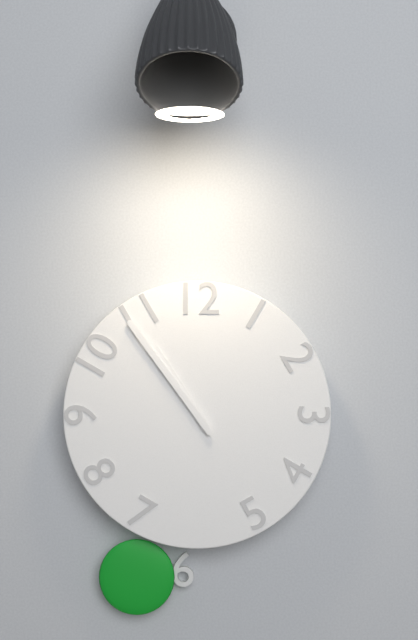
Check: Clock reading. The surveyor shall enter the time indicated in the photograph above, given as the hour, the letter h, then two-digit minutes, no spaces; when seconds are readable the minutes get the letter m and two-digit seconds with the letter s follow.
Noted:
10h54
